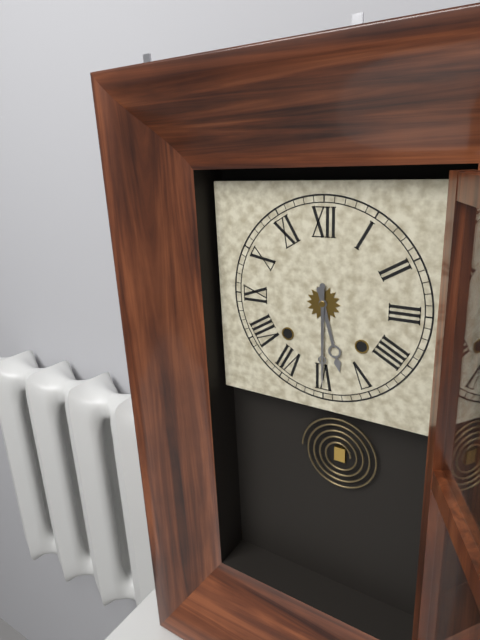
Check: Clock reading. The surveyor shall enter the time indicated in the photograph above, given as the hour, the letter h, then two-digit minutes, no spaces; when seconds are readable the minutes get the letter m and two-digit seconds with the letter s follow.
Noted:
5h30
